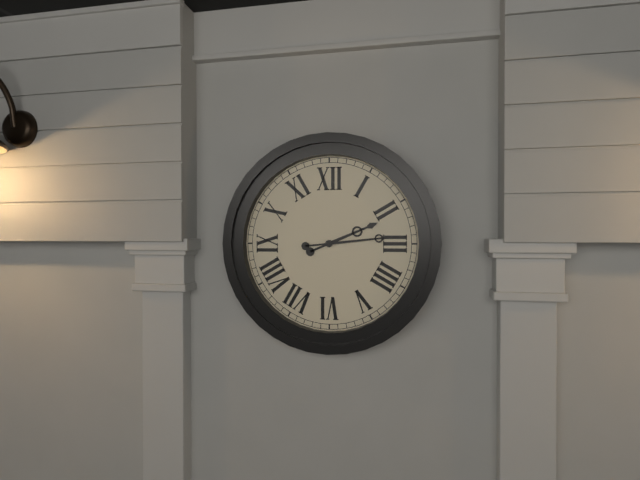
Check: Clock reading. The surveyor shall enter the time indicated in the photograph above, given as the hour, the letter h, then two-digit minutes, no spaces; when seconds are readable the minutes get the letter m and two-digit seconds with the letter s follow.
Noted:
2h14
